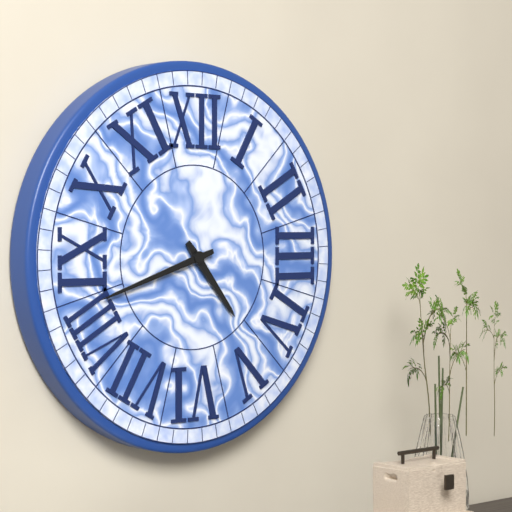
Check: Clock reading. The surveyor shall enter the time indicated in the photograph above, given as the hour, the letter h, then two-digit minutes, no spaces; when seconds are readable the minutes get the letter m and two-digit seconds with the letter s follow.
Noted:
4h42
